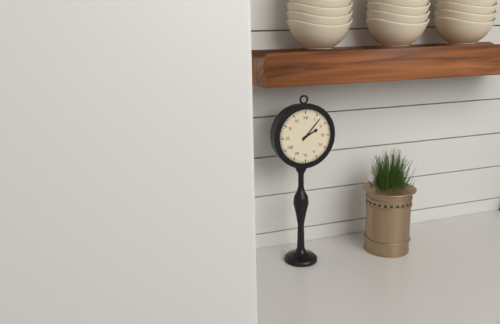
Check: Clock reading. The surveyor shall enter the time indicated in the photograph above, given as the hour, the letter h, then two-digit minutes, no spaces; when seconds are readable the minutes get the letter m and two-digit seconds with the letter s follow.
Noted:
2h07
